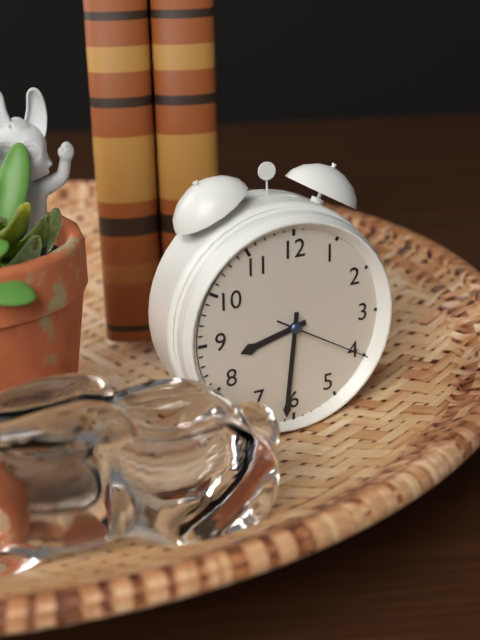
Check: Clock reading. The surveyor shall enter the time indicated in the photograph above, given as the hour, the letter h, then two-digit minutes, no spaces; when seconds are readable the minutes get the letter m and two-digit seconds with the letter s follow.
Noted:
8h31m20s
